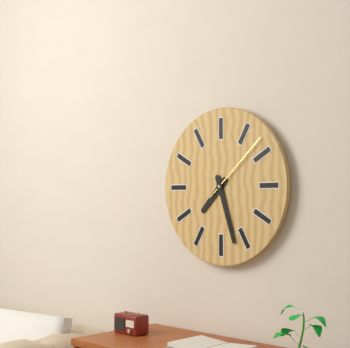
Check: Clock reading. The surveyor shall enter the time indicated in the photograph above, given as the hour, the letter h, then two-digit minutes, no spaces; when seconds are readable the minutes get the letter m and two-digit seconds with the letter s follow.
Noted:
7h27m08s
